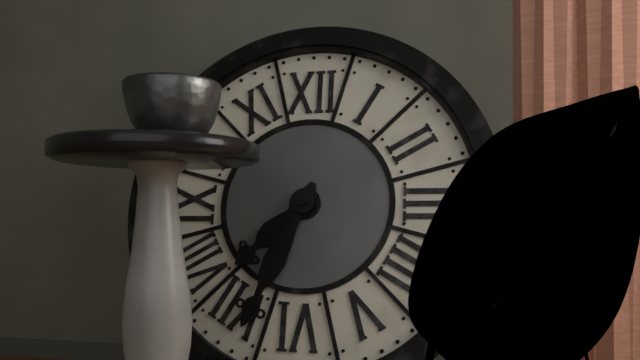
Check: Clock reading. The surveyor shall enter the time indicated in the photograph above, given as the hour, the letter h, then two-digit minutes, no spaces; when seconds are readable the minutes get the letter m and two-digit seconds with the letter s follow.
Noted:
7h34
